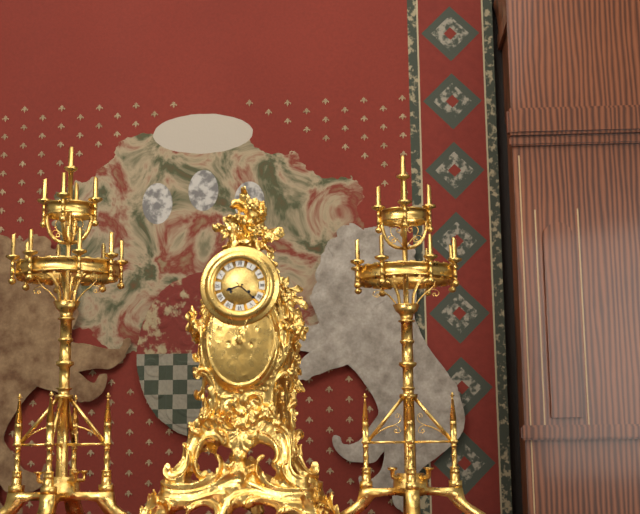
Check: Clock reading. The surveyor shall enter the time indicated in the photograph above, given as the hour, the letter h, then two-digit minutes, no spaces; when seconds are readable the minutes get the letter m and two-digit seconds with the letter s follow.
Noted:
8h22
